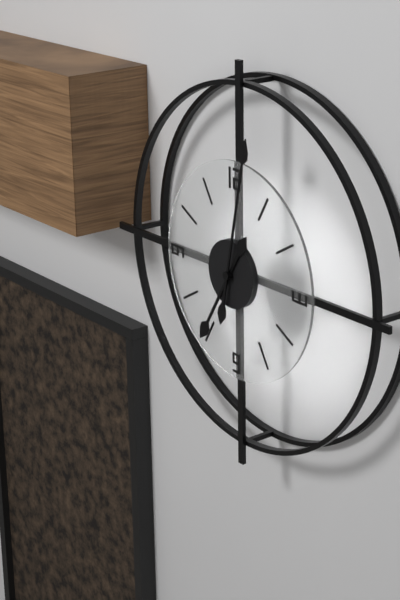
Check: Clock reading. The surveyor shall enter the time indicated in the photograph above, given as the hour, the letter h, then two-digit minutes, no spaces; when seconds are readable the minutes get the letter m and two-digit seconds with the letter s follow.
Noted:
7h02
